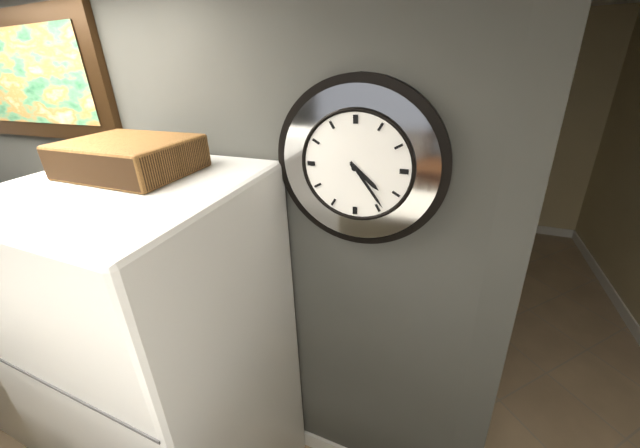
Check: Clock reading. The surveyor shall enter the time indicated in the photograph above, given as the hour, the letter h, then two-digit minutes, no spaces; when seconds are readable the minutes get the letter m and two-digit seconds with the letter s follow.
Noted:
4h24
